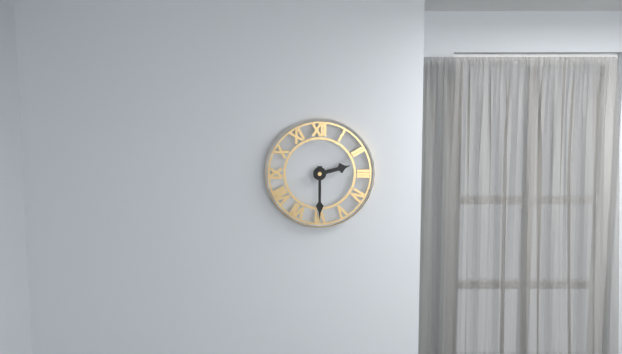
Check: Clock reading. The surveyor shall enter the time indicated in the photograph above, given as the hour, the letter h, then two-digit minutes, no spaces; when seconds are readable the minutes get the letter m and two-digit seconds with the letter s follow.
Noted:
2h30
